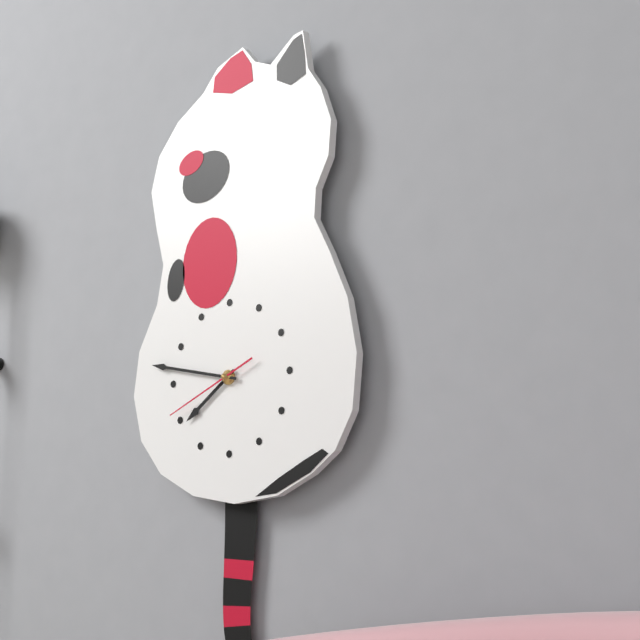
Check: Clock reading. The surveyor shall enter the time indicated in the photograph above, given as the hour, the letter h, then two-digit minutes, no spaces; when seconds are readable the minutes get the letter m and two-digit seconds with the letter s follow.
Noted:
7h47m41s
